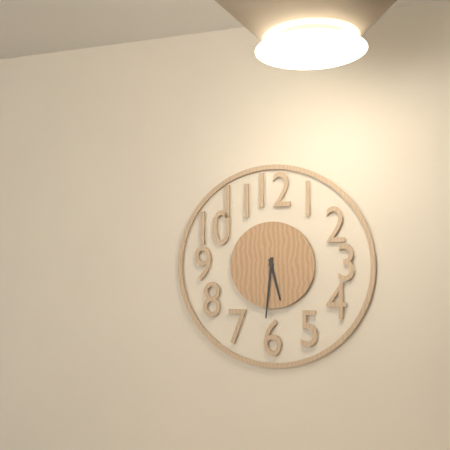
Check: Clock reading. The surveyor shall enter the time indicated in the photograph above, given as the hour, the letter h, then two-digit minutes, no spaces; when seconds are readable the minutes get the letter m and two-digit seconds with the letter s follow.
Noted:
5h31
